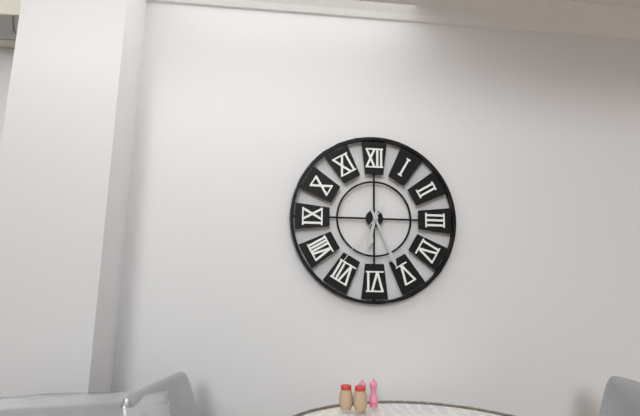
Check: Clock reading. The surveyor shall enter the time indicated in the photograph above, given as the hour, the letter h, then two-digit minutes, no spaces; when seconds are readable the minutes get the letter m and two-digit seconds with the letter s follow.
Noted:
6h26m36s
